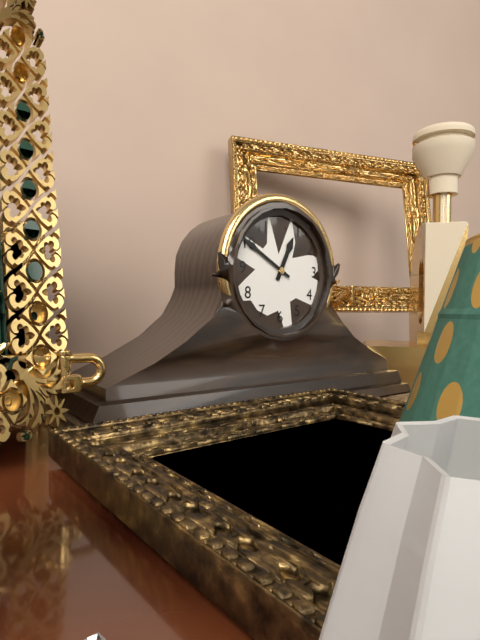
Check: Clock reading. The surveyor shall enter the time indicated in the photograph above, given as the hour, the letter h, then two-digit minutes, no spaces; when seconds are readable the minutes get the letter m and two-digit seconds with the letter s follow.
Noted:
12h50
